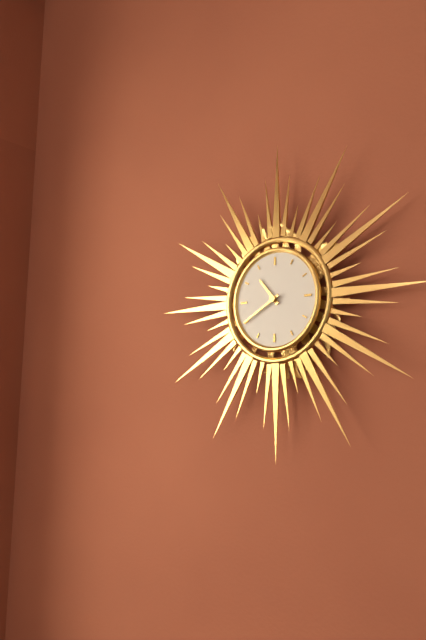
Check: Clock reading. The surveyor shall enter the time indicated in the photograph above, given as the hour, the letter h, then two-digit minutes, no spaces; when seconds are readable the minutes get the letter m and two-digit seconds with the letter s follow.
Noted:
10h40
